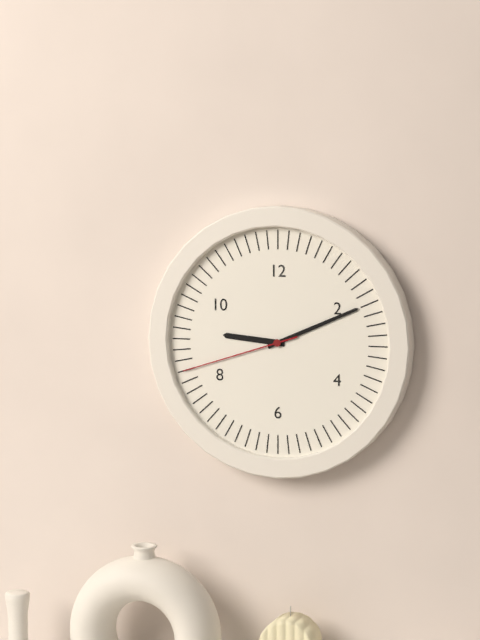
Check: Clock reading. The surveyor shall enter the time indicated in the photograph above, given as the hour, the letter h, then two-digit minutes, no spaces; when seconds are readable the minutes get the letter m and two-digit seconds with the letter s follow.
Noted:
9h11m42s
